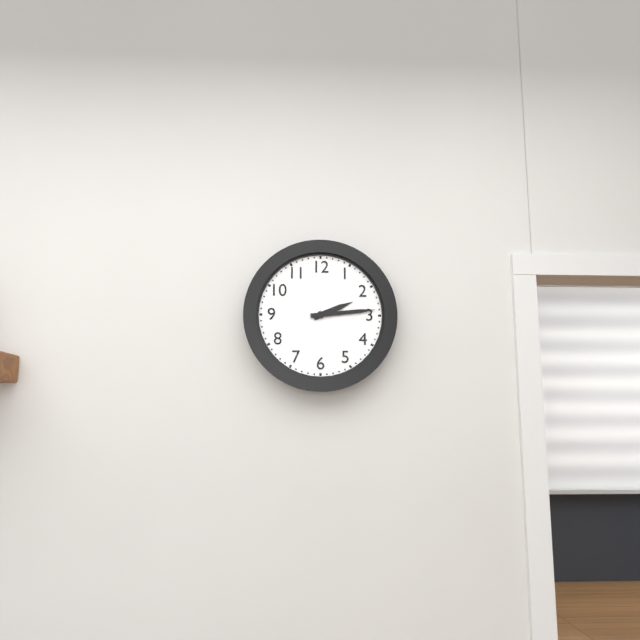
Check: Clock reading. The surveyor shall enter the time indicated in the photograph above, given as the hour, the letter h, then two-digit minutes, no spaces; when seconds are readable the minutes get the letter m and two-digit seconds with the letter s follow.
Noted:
2h14
